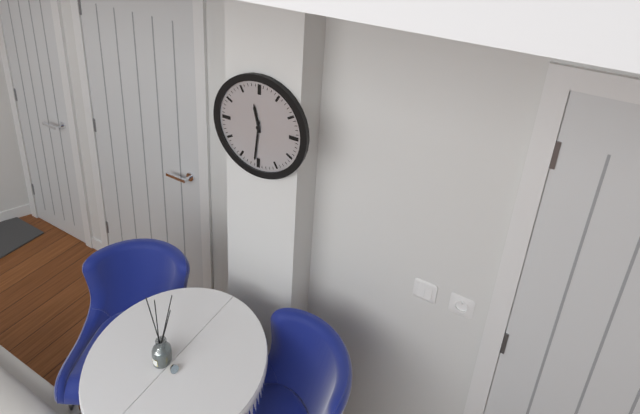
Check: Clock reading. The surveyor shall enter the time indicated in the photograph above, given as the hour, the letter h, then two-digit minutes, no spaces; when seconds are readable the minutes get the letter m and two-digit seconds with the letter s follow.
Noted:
11h31
